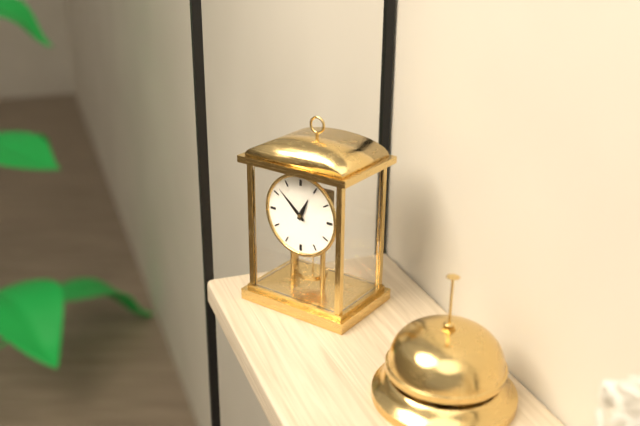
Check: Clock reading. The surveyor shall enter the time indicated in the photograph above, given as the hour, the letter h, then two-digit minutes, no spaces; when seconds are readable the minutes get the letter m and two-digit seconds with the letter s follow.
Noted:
12h52
